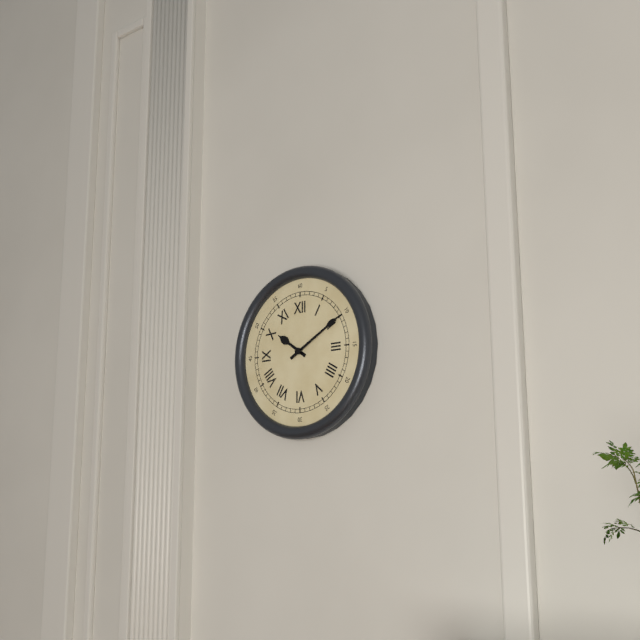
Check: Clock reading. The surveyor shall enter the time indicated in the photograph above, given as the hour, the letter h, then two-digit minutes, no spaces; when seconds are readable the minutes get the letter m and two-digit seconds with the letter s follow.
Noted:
10h10
